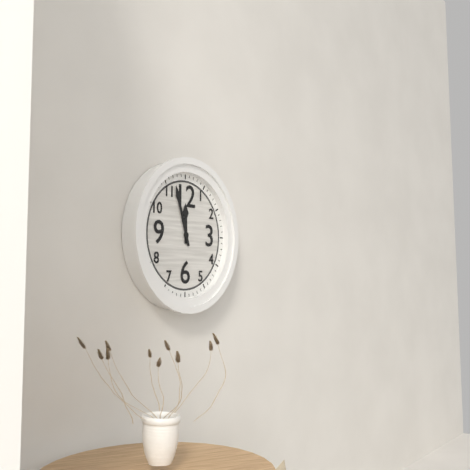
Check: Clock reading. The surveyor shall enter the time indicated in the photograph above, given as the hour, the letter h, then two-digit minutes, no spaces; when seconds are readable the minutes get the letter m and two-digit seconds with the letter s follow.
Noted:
11h57
